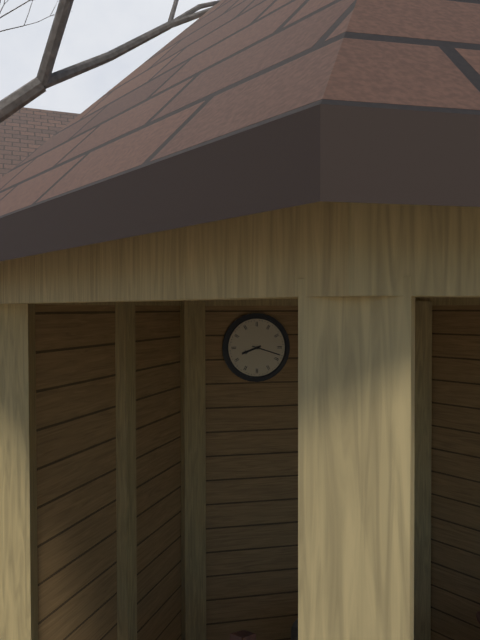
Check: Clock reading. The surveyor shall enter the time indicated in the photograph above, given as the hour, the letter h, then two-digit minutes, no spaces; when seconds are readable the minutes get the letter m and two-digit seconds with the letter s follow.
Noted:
8h18
